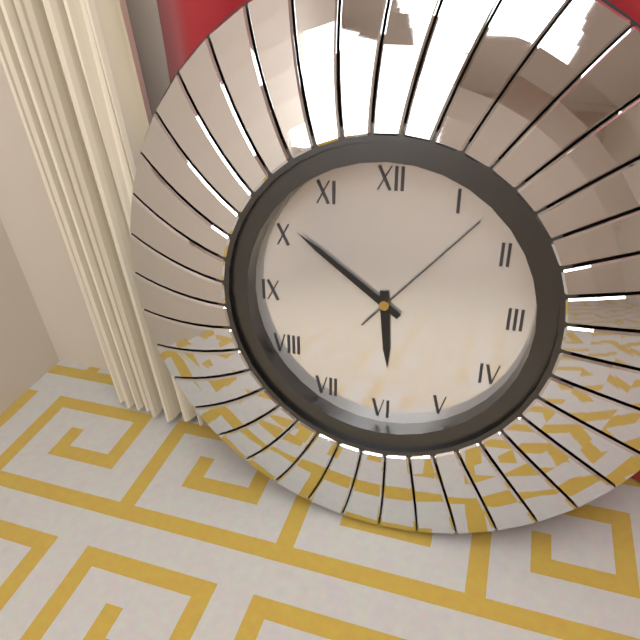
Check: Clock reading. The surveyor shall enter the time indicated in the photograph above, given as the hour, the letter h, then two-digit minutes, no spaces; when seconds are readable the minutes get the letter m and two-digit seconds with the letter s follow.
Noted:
5h51m07s
